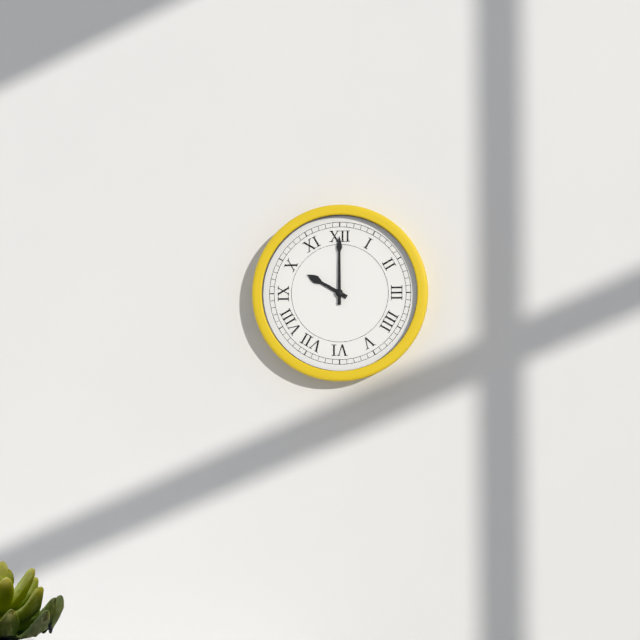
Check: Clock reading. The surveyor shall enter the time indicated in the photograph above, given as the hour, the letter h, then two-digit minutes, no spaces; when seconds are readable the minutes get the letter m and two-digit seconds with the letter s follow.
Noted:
10h00
